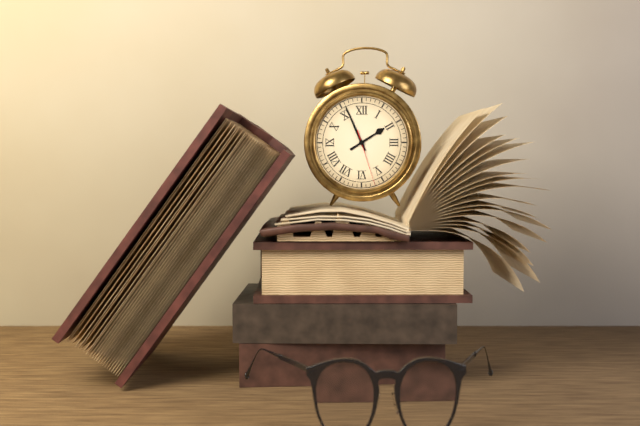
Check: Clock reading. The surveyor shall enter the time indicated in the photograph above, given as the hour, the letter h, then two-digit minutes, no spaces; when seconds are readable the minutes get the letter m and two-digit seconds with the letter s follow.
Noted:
1h56m27s
